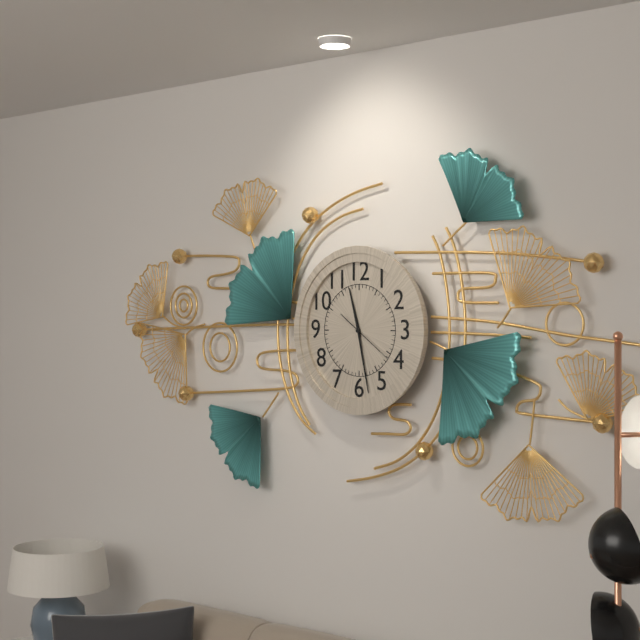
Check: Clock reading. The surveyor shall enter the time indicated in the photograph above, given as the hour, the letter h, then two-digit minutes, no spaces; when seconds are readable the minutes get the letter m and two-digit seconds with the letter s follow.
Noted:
11h28
